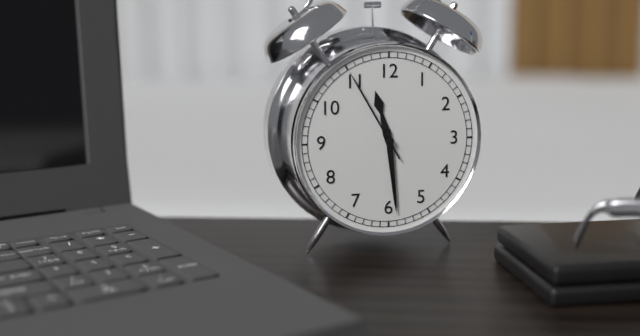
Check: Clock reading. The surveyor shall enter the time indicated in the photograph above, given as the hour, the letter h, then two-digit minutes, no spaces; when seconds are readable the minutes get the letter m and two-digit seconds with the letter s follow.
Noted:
11h29m55s
